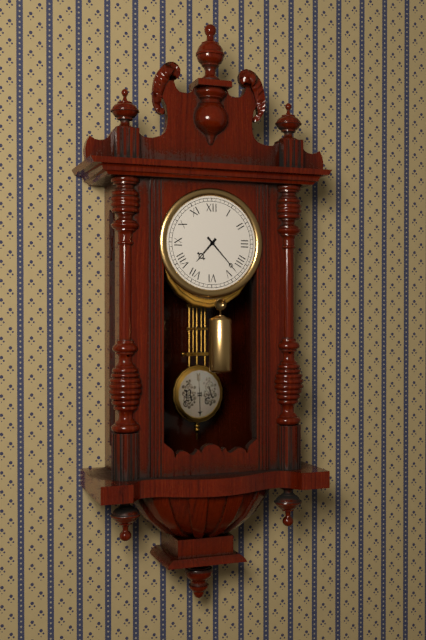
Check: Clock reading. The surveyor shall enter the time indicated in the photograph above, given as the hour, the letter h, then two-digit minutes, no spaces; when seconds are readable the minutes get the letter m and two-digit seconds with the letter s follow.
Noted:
7h23
